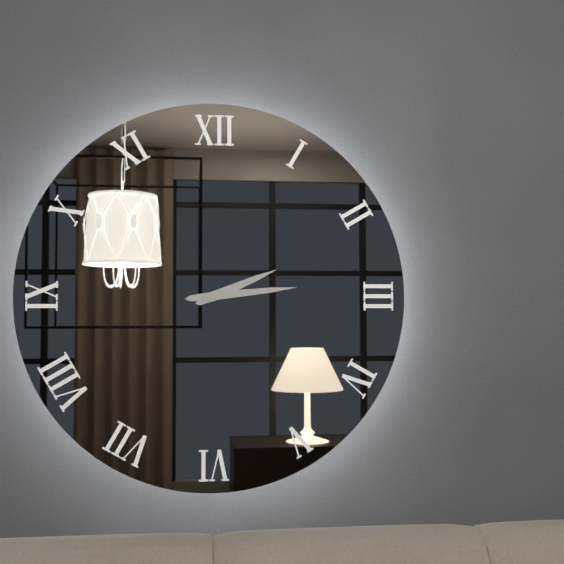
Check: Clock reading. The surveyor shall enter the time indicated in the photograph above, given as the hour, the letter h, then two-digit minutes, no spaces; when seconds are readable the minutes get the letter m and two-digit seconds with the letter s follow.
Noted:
2h14
